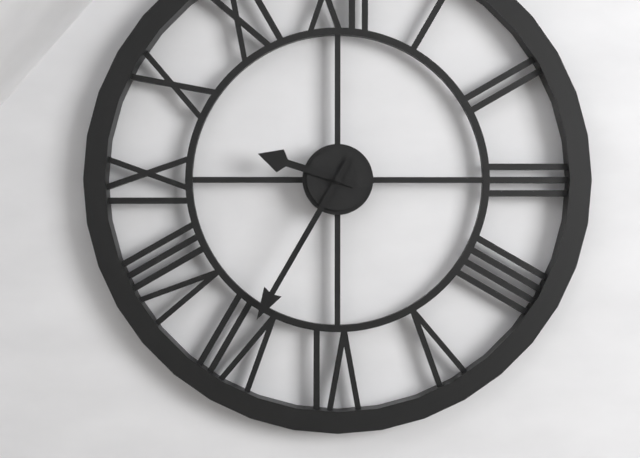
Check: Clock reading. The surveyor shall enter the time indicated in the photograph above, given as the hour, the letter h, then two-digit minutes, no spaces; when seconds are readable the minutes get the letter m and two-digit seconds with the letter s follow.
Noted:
9h35
